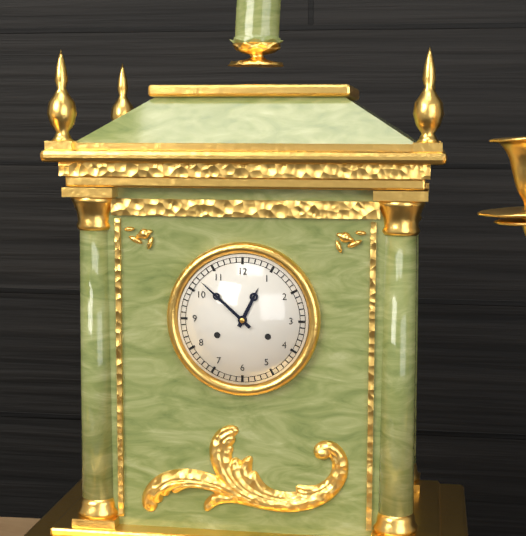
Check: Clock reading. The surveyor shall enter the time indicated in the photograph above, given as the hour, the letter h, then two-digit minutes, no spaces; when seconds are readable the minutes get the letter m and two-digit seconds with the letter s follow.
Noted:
12h52
